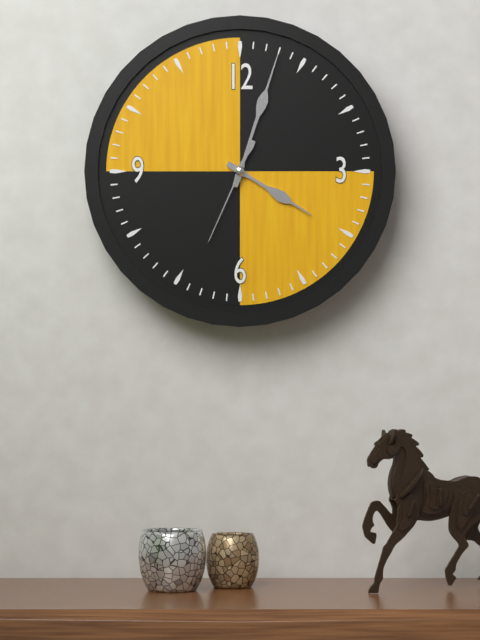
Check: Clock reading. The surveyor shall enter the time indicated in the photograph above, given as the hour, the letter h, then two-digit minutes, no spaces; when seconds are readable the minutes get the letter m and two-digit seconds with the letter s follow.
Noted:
4h03m34s
